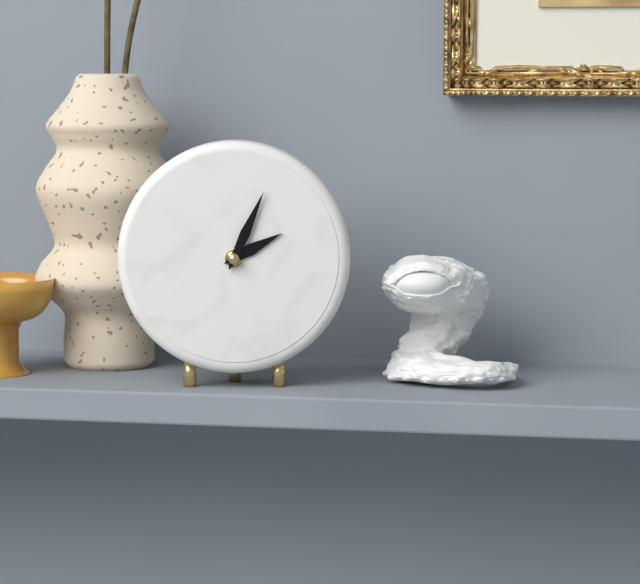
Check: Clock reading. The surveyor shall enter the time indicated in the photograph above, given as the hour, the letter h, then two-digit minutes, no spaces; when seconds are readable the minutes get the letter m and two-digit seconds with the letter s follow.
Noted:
2h04
